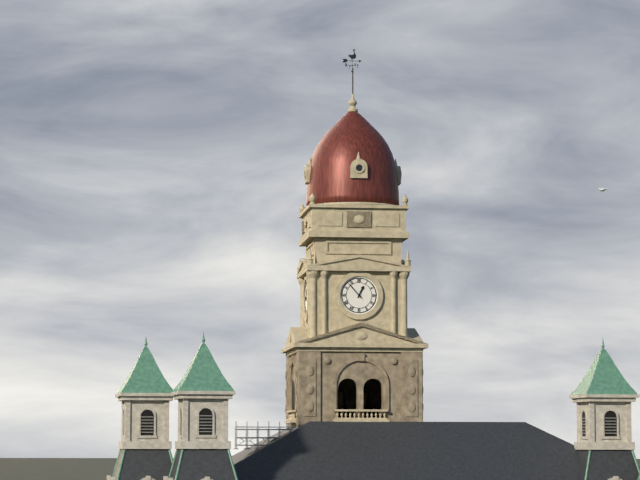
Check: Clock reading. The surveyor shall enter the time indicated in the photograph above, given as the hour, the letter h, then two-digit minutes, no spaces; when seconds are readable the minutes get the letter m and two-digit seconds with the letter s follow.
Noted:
12h53
